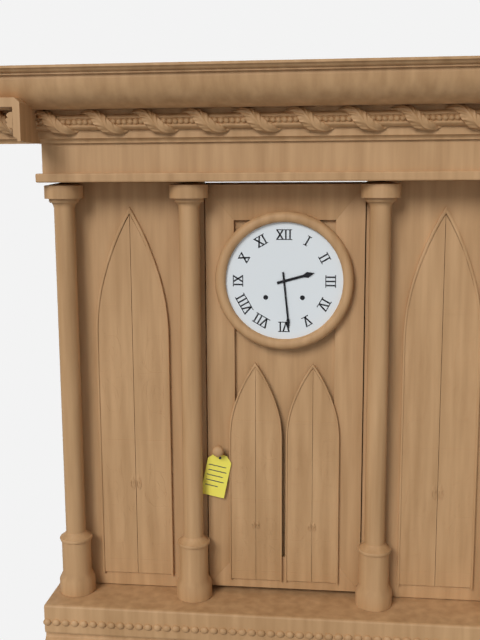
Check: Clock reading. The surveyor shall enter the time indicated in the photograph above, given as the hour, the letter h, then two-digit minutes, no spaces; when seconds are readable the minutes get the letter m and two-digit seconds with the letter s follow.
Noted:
2h29
